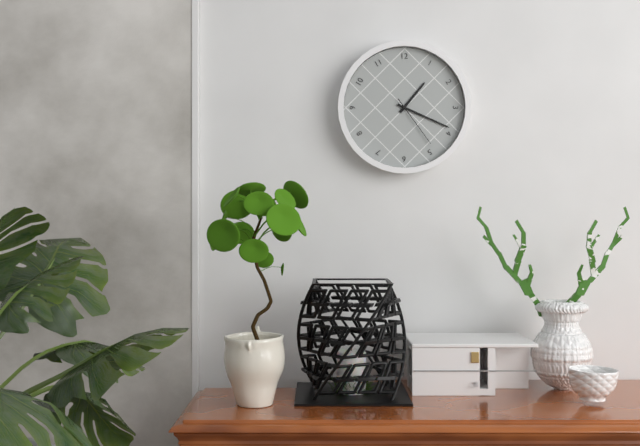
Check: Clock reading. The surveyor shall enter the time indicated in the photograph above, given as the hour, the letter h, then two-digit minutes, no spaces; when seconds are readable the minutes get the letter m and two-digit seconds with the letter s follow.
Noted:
1h19m24s
